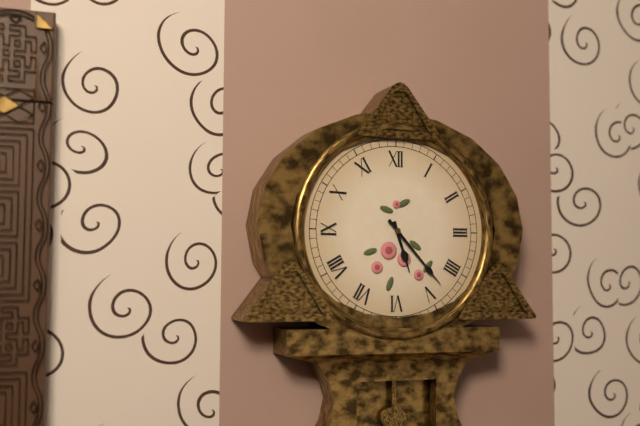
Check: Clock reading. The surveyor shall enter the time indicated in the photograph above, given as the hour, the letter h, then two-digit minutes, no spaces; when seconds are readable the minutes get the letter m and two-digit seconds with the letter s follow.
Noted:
5h23
